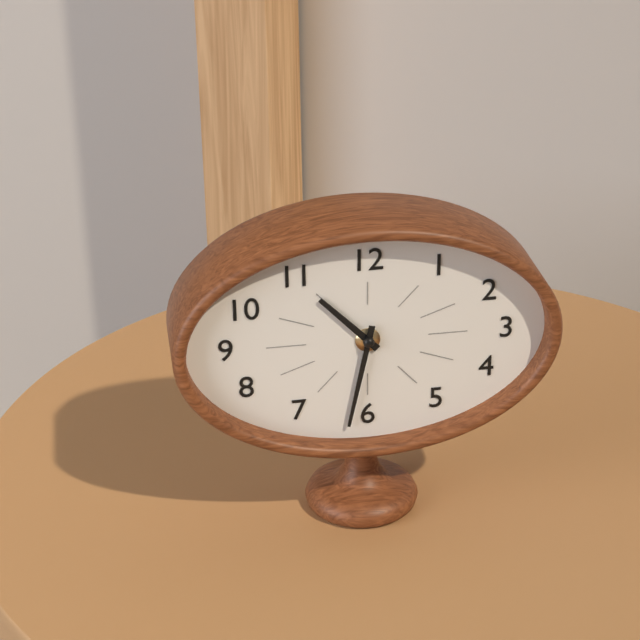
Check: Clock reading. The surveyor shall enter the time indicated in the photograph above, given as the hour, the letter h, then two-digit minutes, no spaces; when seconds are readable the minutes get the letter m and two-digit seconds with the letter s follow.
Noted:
10h32
